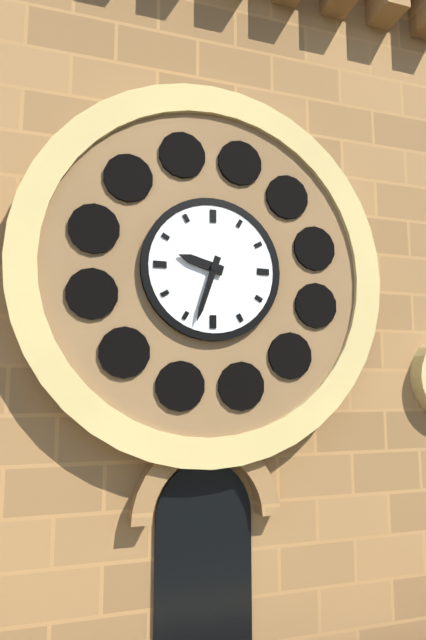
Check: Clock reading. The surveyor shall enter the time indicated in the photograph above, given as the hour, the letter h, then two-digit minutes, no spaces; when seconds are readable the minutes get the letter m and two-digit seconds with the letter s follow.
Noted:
9h33
